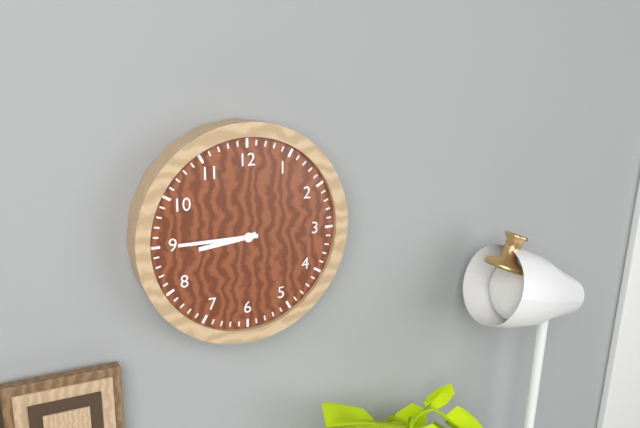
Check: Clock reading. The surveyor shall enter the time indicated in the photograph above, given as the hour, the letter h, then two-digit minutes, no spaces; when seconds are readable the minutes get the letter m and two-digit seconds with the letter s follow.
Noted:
8h45
